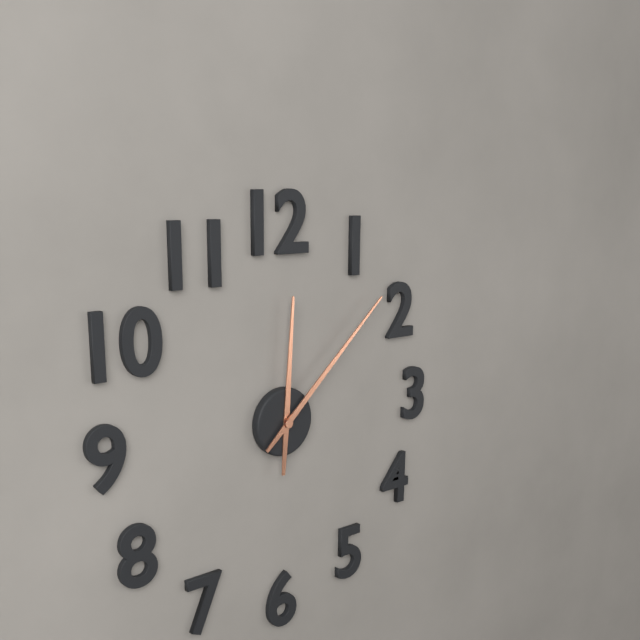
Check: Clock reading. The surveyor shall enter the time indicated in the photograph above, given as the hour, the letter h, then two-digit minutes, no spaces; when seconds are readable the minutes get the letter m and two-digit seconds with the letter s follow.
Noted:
12h08
